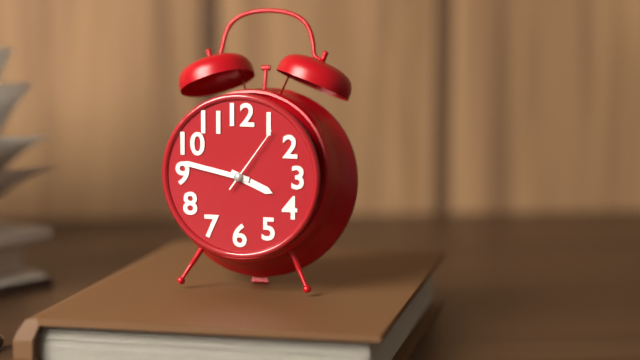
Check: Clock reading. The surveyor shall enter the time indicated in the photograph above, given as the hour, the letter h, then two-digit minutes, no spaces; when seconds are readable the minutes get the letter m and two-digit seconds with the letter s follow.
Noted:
3h47m06s
